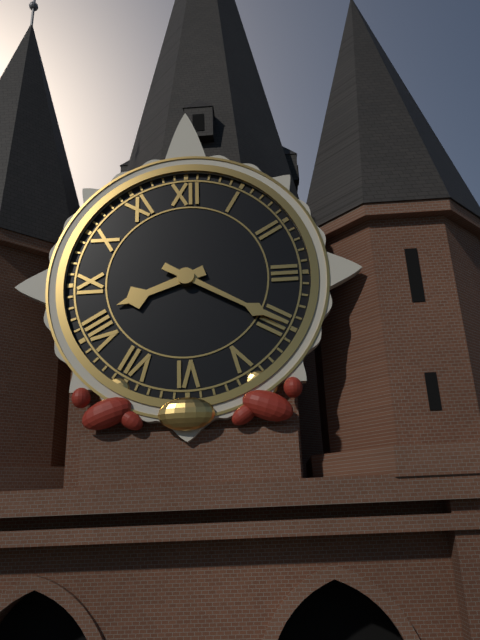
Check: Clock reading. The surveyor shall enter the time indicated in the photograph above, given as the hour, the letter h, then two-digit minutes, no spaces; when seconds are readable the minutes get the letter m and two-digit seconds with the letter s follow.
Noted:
8h20
